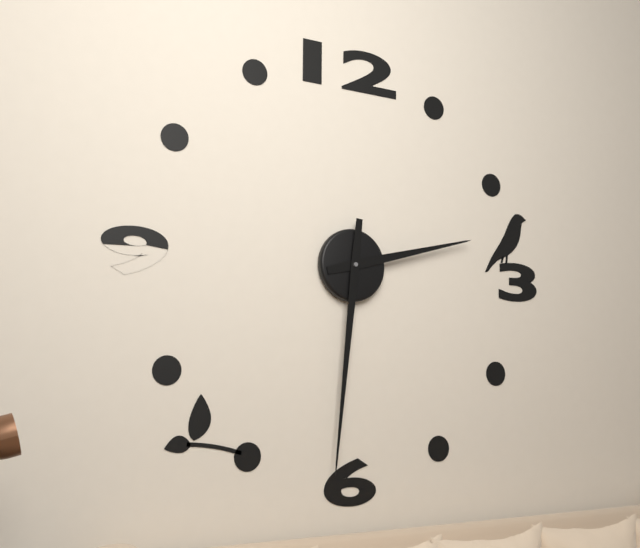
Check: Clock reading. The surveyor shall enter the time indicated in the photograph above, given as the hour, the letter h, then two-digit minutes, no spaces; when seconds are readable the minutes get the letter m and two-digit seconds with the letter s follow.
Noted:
2h31
